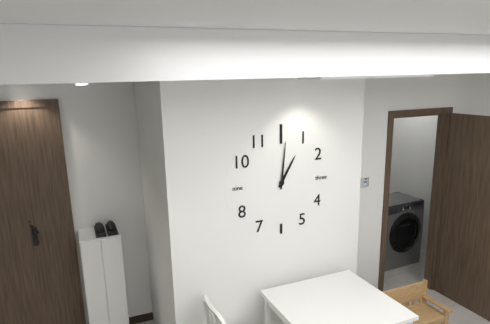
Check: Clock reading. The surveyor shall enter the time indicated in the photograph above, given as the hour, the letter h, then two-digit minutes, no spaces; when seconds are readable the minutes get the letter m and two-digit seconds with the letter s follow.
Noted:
1h01
